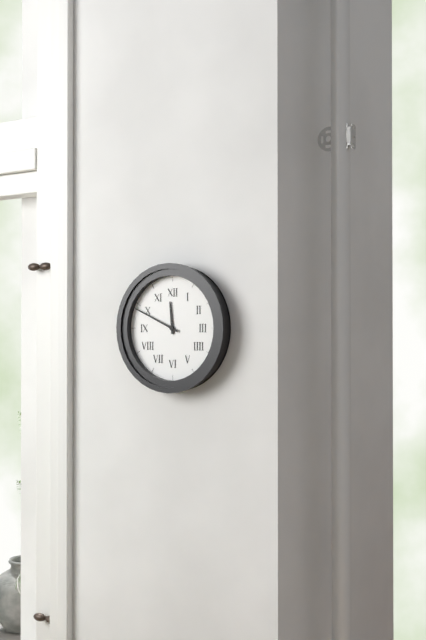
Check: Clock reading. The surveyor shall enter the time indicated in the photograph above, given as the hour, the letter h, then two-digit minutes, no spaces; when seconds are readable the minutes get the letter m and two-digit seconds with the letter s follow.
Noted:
11h49
